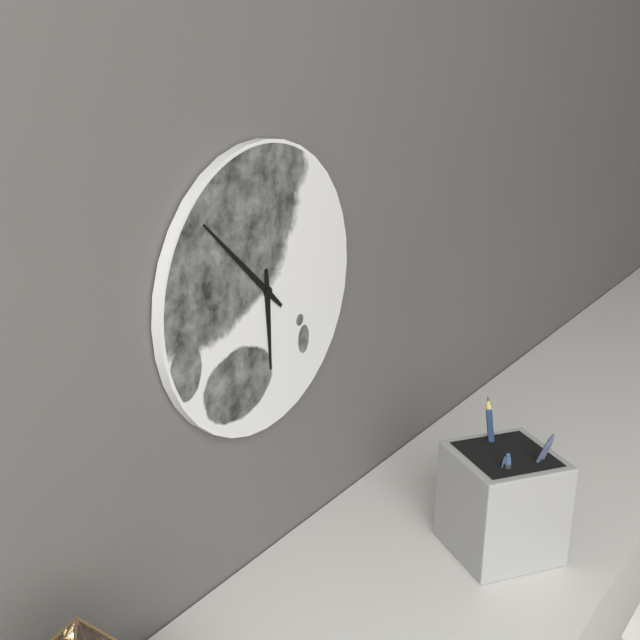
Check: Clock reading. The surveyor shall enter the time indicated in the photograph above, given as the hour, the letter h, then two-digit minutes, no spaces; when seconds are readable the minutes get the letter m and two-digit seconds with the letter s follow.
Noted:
5h52
